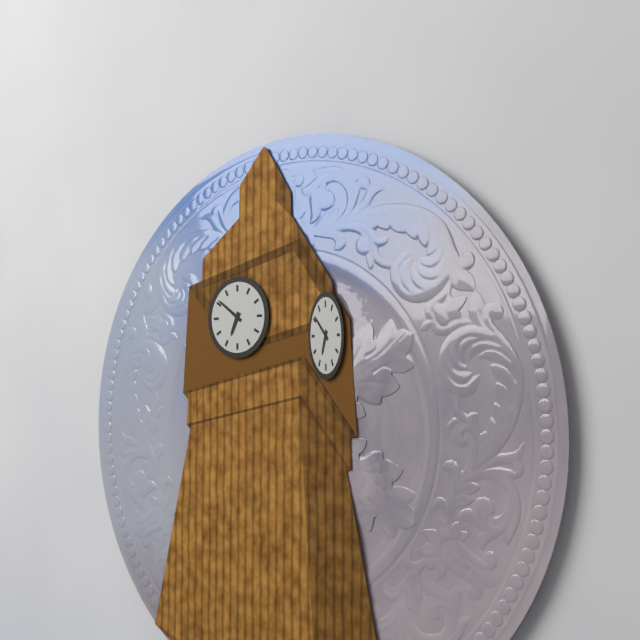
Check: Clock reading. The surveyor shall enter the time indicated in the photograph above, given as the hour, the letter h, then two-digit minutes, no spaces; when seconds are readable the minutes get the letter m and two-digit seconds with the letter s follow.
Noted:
6h51
